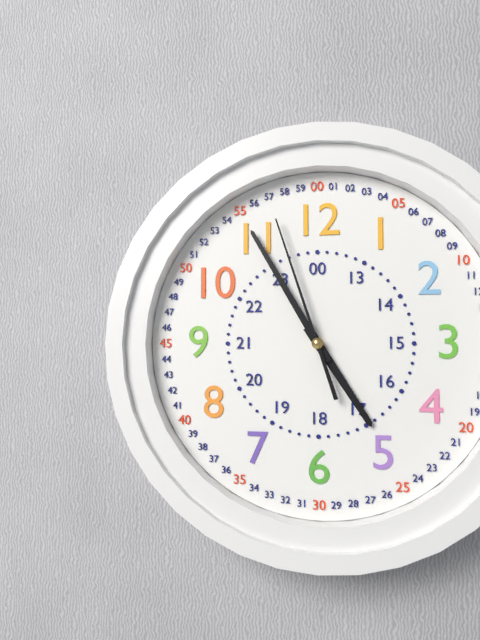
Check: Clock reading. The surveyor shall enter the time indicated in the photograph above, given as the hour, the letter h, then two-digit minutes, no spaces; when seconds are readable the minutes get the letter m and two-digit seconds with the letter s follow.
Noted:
4h55m57s
